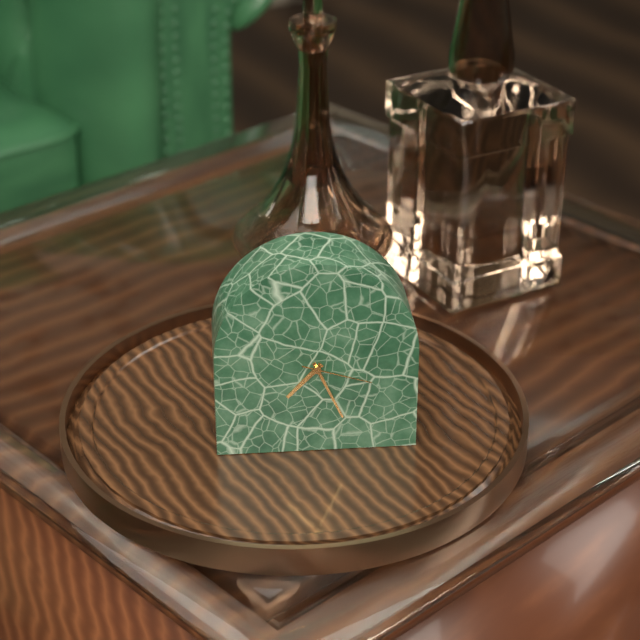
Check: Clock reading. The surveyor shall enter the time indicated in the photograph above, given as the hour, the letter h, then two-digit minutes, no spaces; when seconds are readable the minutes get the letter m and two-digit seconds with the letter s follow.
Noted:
7h26m18s
